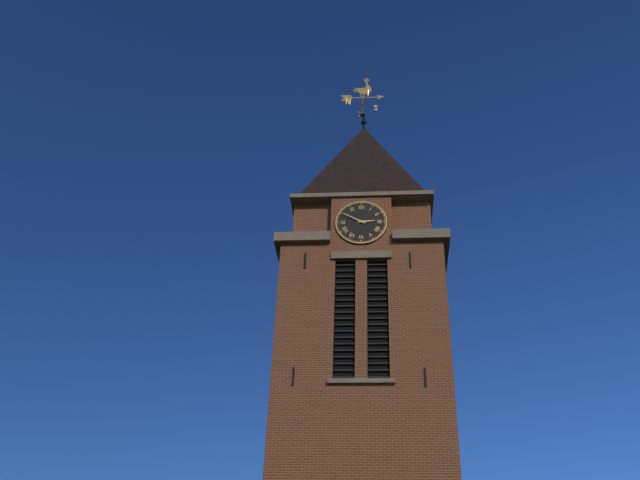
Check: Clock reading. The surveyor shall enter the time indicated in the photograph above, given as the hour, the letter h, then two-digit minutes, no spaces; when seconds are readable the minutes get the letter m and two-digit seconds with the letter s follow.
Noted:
2h50
